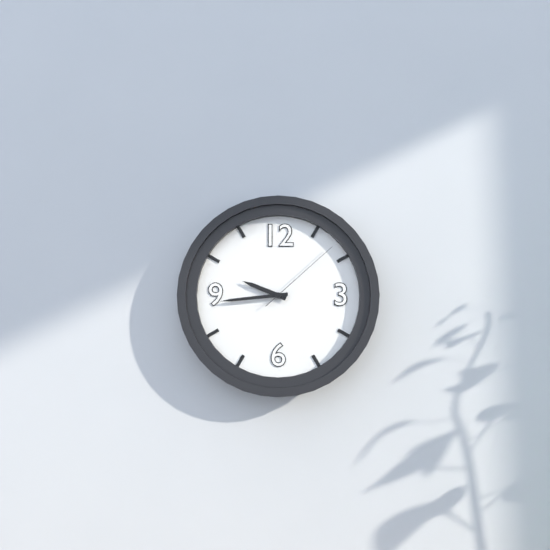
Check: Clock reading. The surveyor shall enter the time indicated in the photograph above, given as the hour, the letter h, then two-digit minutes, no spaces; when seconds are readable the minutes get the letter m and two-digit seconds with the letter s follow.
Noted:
9h44m08s
